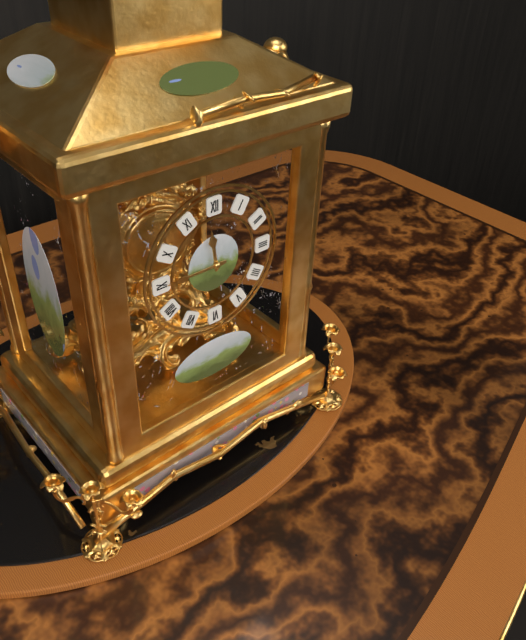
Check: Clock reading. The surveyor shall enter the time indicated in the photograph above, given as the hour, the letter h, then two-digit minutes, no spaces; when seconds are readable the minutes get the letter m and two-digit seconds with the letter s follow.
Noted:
11h45
